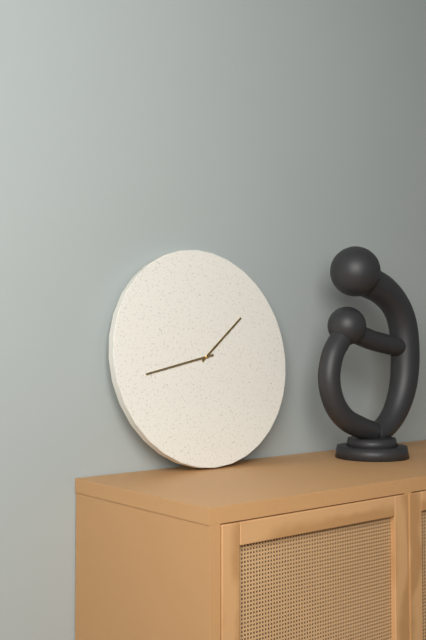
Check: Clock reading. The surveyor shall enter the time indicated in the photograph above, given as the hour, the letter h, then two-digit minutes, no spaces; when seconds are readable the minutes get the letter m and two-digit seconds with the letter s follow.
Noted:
1h43
